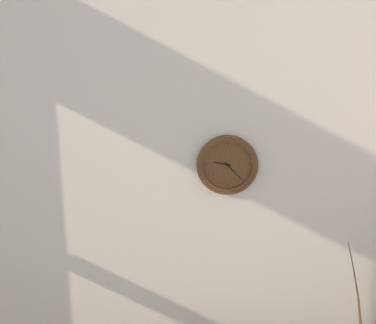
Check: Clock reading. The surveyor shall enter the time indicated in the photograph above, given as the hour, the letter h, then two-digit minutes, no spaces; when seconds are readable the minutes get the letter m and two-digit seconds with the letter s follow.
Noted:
9h23
